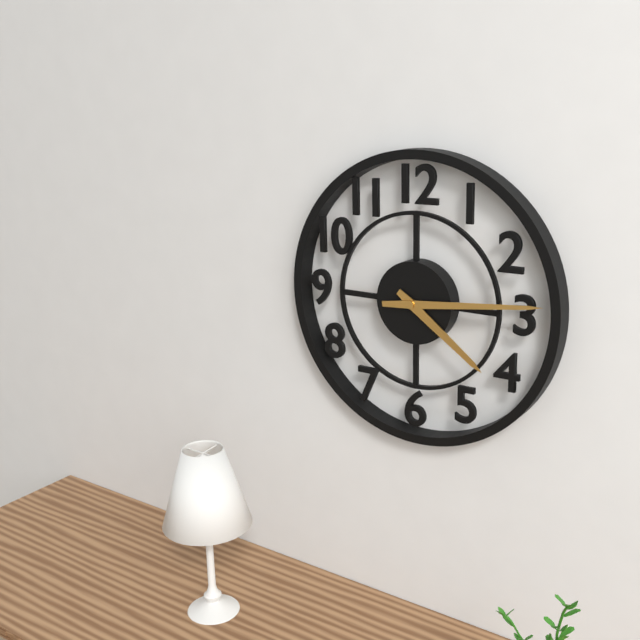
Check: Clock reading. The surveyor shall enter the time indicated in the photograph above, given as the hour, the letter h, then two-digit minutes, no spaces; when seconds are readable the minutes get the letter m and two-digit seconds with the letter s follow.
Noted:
4h14
